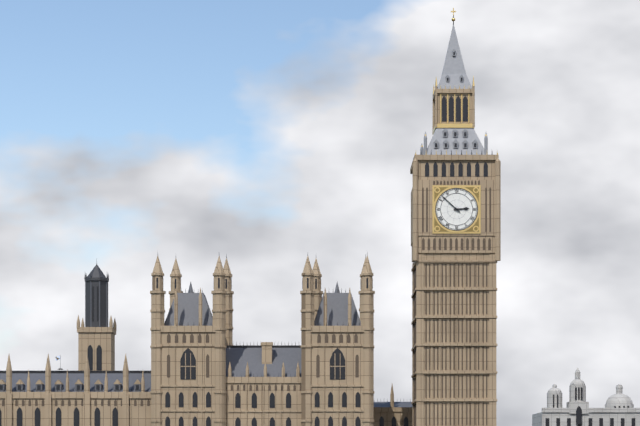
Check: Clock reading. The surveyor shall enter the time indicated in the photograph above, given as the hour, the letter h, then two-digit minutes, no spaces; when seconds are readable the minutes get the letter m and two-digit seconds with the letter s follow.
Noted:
2h52
